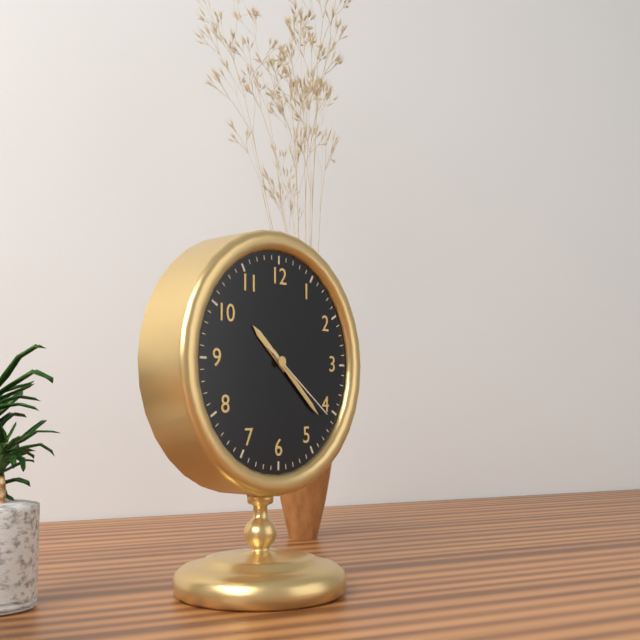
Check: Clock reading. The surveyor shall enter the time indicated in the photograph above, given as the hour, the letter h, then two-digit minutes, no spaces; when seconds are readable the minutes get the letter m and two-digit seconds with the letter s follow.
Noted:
10h22m21s
